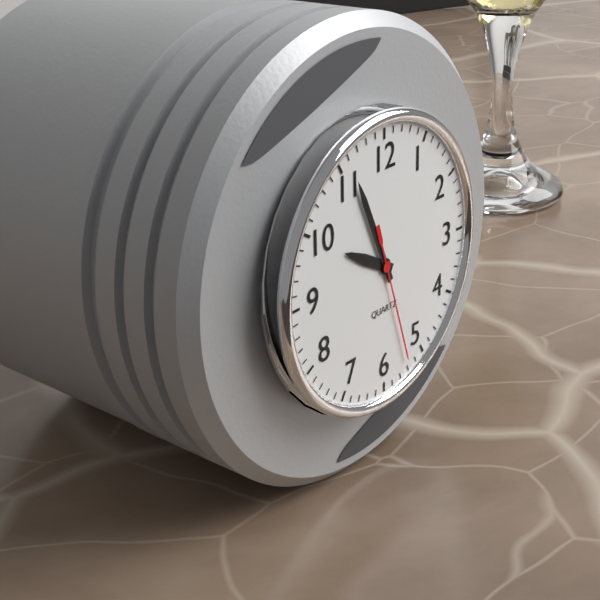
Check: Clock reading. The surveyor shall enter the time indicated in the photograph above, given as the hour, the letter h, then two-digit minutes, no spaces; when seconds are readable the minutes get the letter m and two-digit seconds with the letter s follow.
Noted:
9h56m27s
